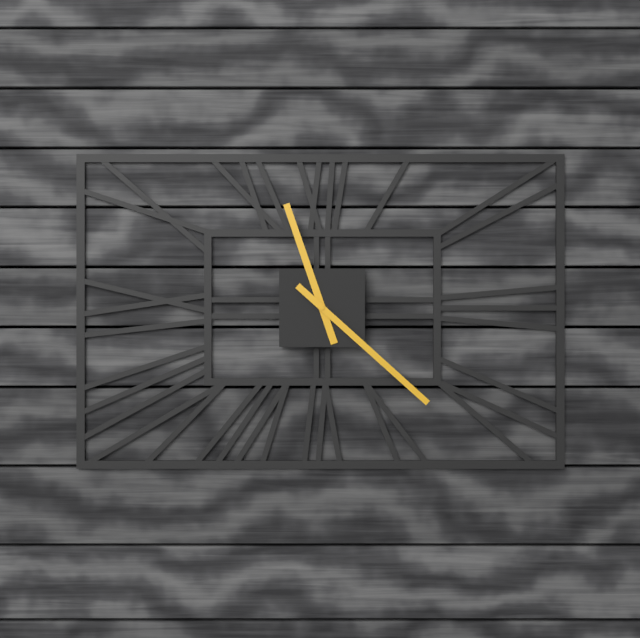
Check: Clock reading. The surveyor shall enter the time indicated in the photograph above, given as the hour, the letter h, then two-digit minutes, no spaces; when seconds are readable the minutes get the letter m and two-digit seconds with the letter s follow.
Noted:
11h22
